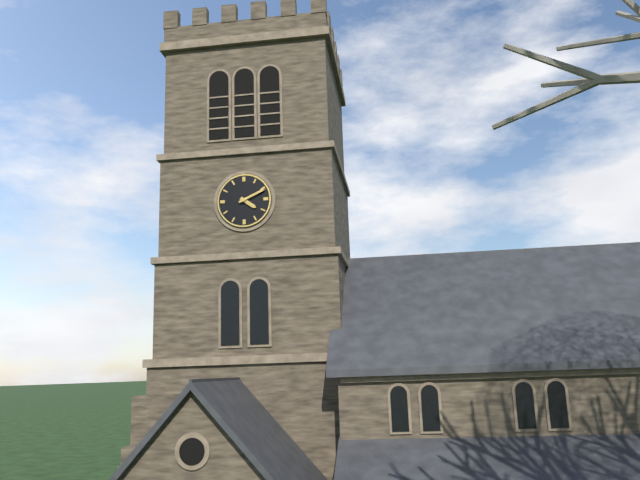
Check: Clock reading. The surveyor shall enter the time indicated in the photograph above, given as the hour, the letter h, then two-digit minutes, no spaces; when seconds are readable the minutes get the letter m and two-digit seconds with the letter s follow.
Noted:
4h11
